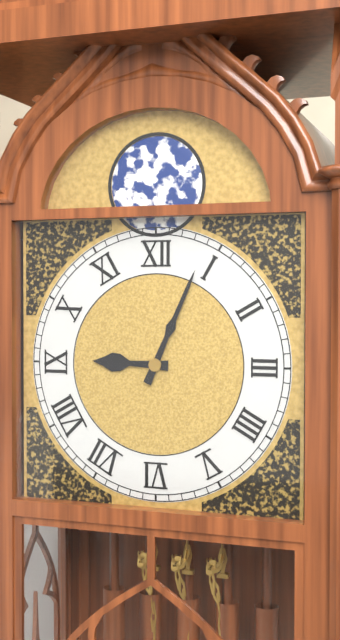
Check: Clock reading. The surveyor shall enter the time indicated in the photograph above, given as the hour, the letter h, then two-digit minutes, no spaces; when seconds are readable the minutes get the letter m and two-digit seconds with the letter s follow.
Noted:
9h04
